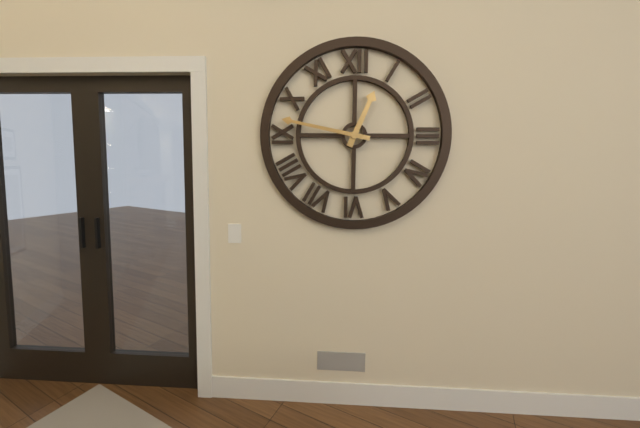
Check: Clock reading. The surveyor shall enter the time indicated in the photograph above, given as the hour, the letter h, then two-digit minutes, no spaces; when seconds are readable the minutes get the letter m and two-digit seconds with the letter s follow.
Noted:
12h47
